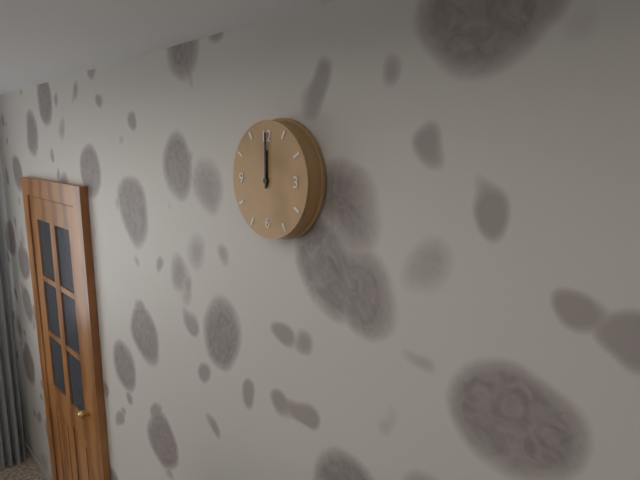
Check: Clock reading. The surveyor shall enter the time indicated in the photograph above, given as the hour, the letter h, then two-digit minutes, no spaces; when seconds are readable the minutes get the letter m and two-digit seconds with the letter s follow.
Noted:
12h00
